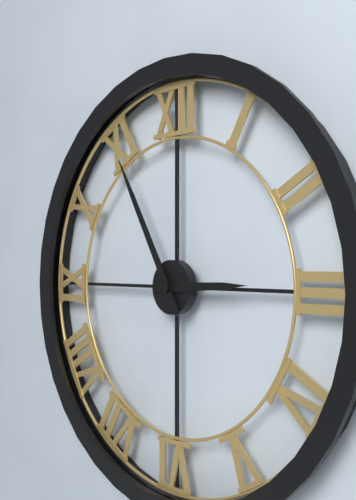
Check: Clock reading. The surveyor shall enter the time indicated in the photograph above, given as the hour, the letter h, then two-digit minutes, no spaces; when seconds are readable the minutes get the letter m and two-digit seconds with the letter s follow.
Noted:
2h55
